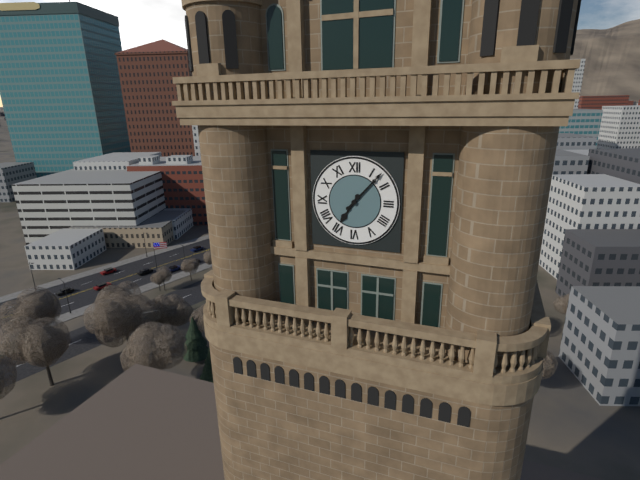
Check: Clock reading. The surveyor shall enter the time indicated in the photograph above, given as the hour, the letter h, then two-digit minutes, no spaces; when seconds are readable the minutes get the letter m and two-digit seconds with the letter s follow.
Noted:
7h07
